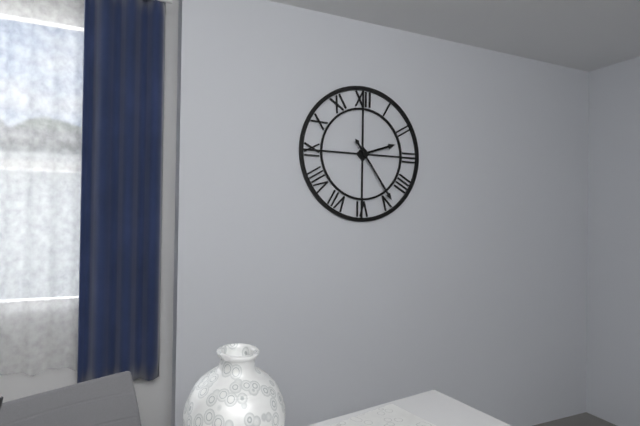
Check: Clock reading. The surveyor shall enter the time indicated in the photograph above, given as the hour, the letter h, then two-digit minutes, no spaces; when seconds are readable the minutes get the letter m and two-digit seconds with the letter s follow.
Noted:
2h24
